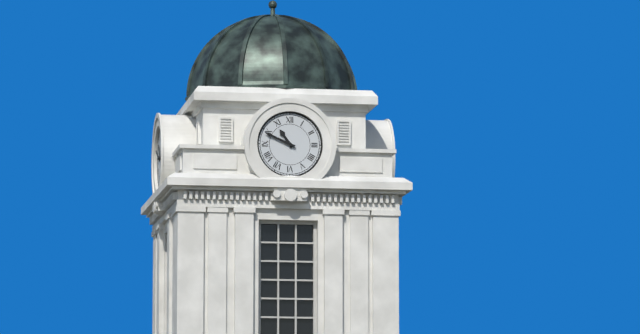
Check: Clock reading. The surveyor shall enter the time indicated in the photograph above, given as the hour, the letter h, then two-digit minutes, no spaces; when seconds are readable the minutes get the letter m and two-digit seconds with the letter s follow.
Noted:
10h49
